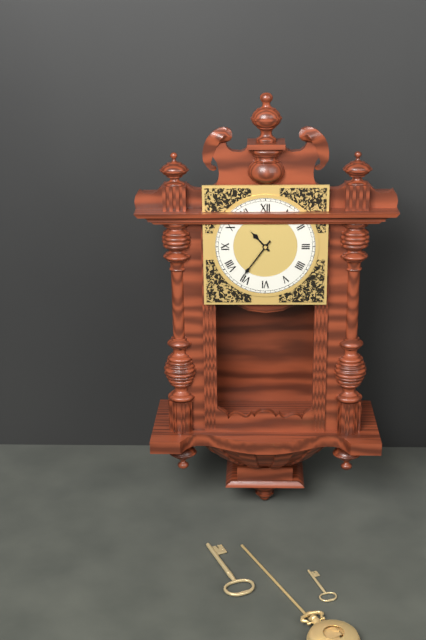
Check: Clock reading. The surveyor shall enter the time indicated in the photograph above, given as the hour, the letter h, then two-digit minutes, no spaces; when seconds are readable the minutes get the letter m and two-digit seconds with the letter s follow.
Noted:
10h36
